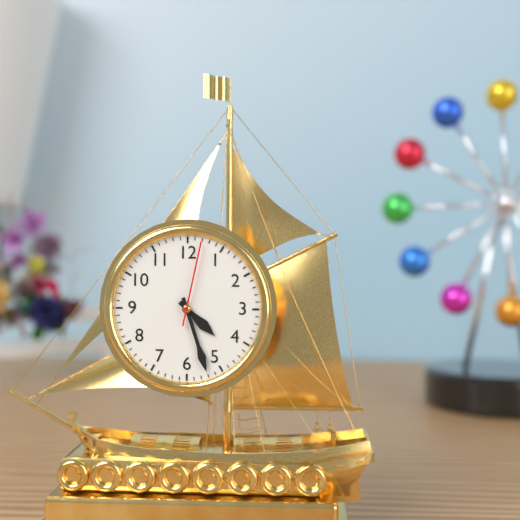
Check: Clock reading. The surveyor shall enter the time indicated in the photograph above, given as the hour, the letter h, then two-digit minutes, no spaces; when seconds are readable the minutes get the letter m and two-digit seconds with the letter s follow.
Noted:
4h27m02s
